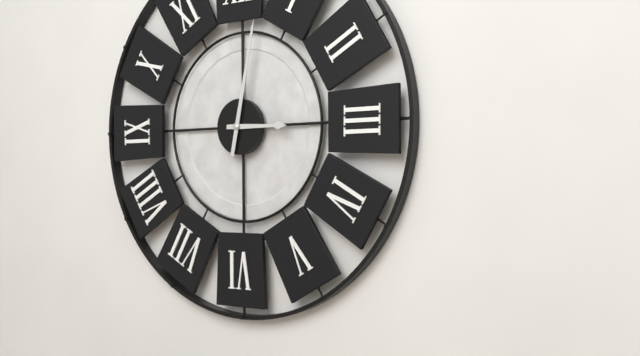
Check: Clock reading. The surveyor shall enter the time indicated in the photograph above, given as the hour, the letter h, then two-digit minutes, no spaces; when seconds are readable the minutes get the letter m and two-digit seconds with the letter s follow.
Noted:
3h02
